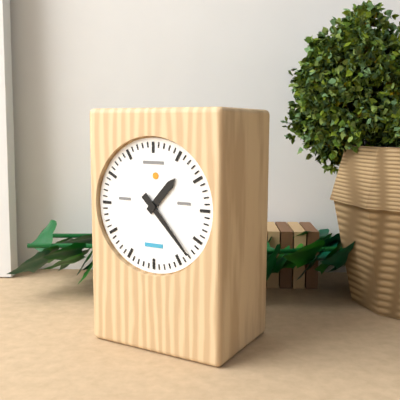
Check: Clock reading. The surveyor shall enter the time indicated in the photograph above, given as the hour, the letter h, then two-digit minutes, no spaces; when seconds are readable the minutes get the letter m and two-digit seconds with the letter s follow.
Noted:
1h23
